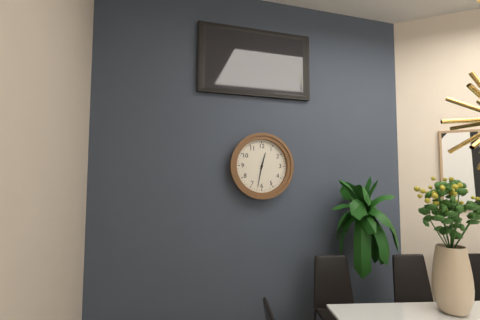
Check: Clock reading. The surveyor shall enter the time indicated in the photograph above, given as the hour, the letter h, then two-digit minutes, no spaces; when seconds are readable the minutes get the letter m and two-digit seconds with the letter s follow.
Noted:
12h32
